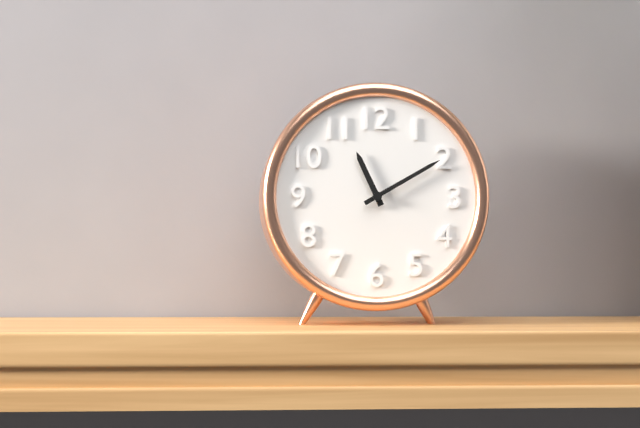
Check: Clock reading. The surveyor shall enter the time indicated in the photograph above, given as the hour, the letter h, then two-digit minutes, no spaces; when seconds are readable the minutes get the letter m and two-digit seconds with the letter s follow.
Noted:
11h10
